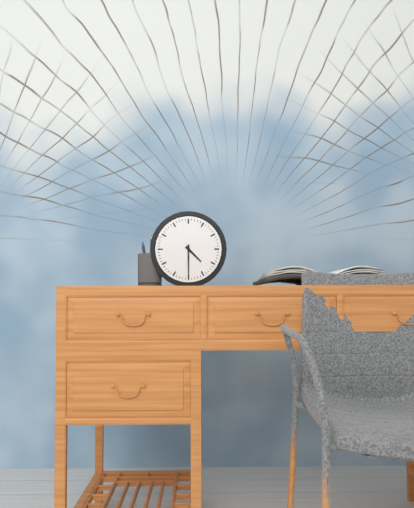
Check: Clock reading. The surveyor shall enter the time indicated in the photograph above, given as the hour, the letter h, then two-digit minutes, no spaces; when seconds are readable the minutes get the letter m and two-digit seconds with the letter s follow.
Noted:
4h30
